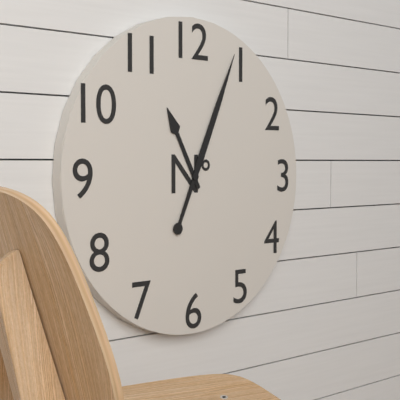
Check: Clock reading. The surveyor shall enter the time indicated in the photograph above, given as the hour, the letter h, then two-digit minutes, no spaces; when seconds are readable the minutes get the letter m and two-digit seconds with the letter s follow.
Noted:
11h04
